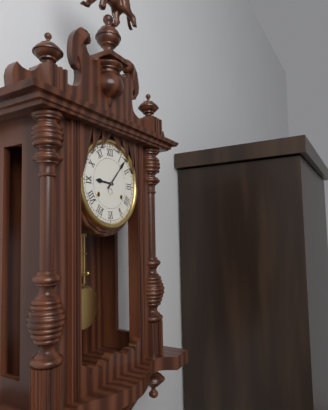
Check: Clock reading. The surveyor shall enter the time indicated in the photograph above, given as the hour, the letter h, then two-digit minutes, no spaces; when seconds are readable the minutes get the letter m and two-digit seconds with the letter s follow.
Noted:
9h07
